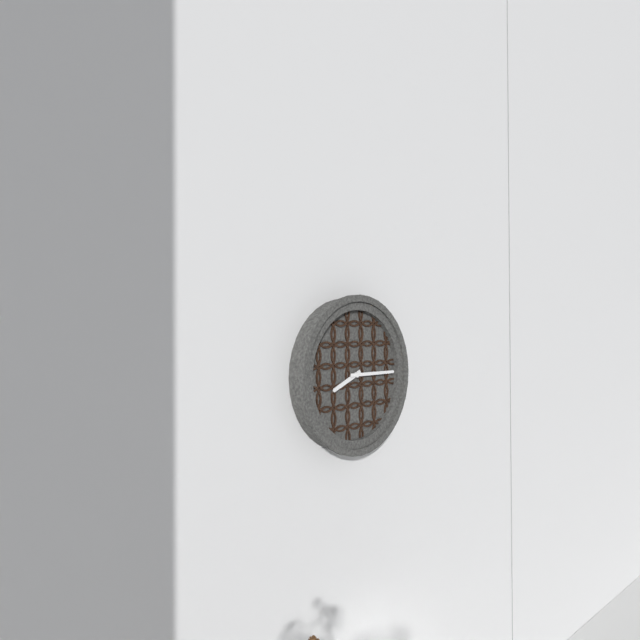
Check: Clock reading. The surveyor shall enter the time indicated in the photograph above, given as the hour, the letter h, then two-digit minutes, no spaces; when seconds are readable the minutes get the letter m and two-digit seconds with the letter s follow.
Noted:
8h15
